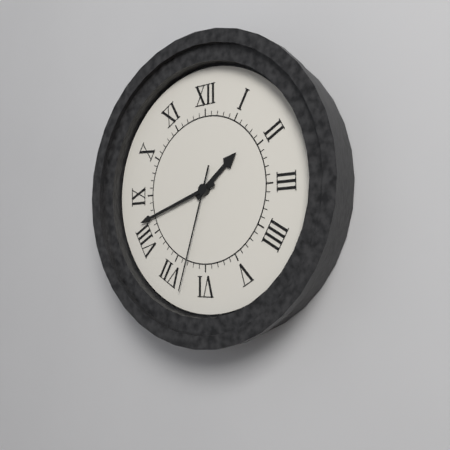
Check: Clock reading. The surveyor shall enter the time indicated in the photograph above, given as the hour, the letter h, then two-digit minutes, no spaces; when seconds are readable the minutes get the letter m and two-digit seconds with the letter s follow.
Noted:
1h42m33s
